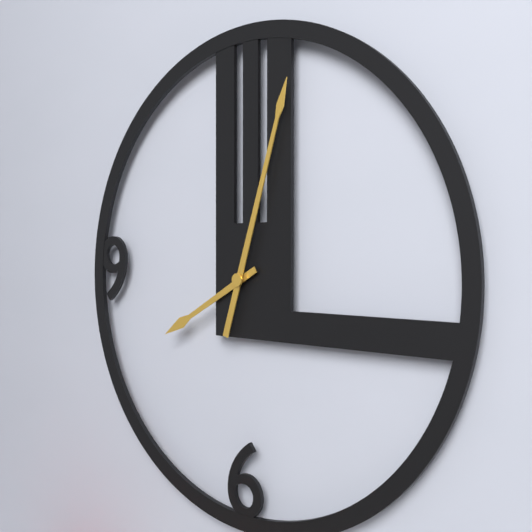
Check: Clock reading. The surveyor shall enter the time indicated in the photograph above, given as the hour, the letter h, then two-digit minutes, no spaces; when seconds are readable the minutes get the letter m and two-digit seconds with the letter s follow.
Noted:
8h03
